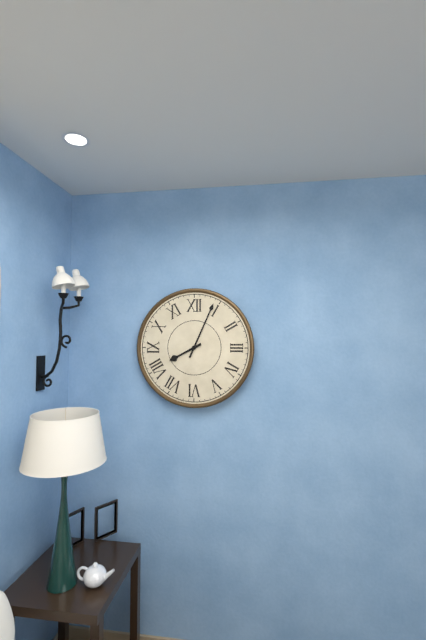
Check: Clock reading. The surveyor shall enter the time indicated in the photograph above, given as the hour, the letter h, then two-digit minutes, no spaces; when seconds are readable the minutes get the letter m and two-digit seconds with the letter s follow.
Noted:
8h04
